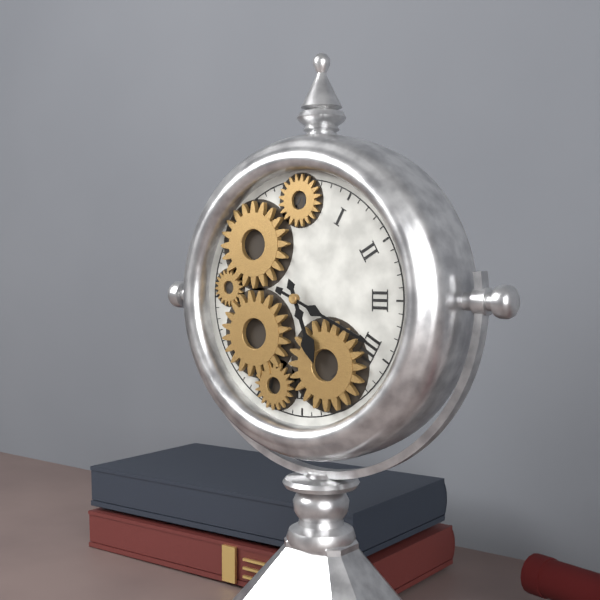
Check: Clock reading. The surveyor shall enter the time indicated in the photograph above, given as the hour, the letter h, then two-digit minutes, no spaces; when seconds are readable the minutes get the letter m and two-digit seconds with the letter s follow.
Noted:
5h19
